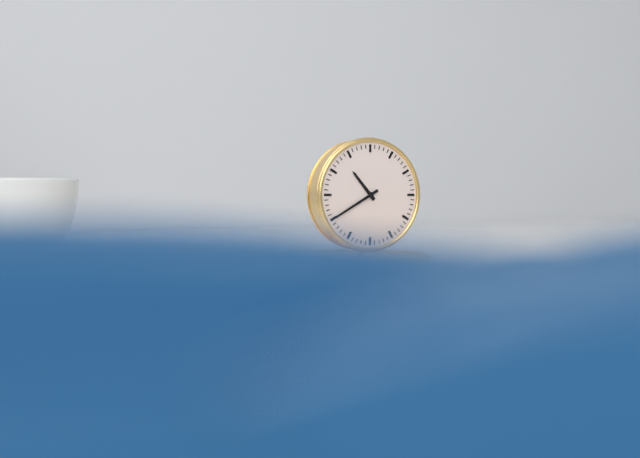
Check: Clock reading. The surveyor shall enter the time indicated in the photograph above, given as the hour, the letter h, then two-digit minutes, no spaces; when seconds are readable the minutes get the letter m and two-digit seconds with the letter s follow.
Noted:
10h40
